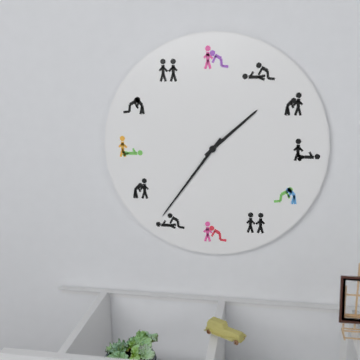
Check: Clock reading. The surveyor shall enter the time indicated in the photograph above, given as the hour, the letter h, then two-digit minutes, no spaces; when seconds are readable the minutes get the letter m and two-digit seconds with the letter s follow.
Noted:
1h36
